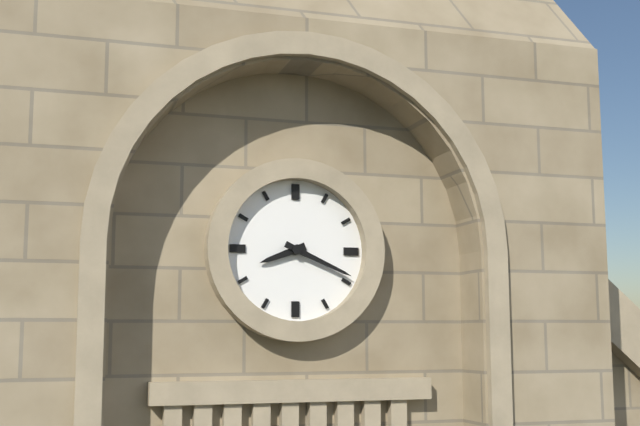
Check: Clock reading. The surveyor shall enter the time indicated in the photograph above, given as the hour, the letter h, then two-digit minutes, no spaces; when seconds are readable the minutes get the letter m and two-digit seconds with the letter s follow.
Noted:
8h19
